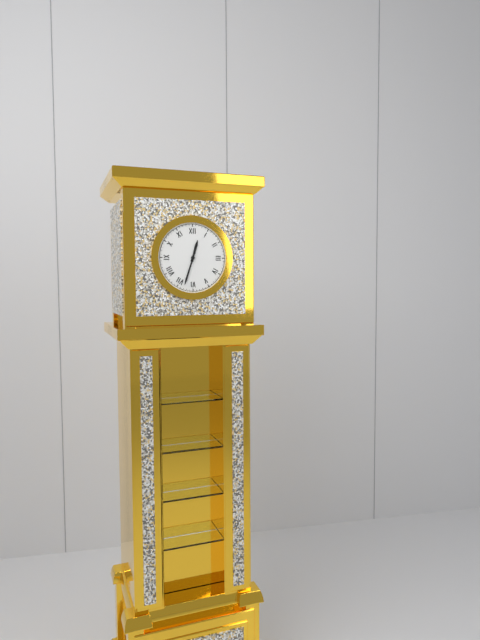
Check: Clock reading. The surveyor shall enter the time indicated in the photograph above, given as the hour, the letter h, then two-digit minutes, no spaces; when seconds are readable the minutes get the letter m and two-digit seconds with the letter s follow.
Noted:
12h33
